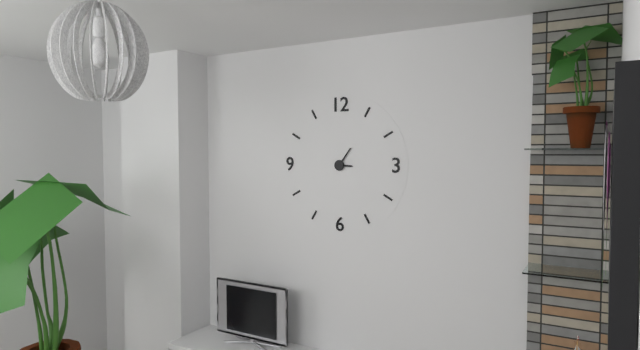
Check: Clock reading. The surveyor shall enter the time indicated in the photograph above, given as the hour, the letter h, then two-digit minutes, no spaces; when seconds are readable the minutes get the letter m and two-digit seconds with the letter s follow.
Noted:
3h06
